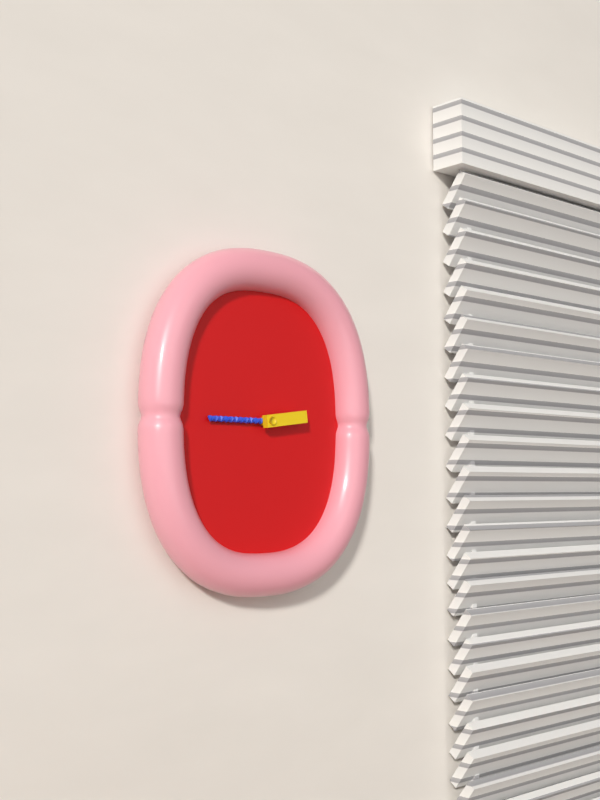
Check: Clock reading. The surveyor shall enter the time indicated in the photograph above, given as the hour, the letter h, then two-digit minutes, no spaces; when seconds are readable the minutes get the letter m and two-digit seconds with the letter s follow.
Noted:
2h45
